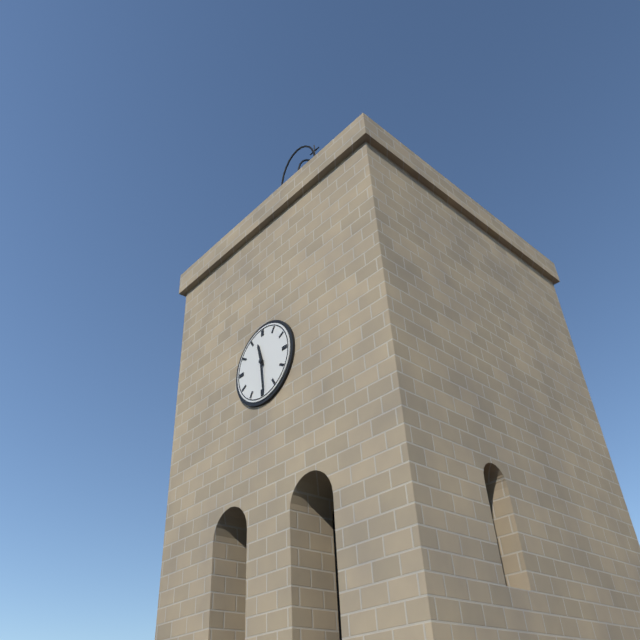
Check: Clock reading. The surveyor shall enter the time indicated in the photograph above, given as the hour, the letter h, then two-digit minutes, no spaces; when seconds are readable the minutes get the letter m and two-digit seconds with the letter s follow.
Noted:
11h29
